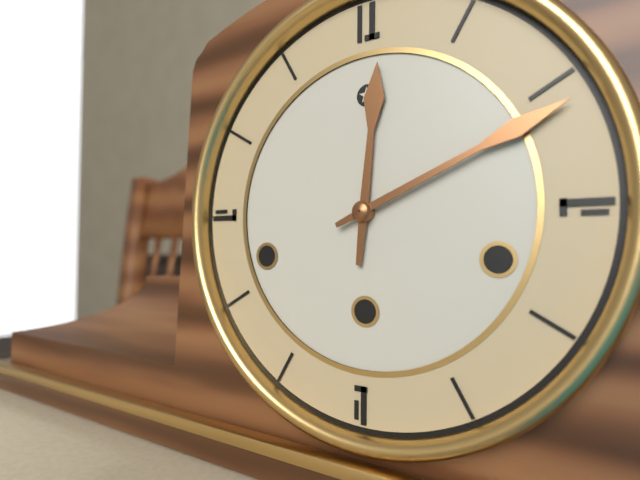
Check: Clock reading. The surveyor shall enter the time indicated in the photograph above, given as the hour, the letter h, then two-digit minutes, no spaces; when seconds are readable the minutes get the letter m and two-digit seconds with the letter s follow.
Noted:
12h11
